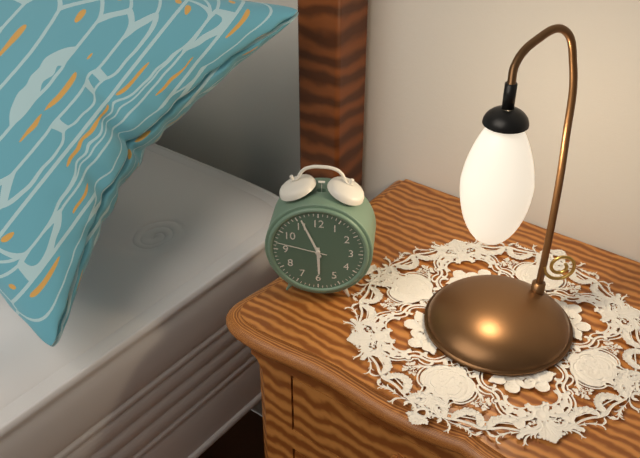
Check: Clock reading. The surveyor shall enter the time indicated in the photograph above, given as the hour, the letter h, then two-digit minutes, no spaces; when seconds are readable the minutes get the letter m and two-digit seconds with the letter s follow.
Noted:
5h56m47s
